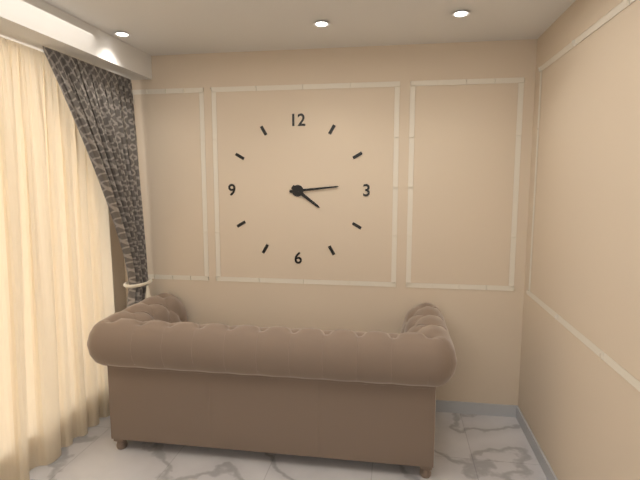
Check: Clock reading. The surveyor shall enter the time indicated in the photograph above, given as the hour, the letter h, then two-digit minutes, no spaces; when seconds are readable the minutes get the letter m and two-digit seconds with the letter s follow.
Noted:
4h14
